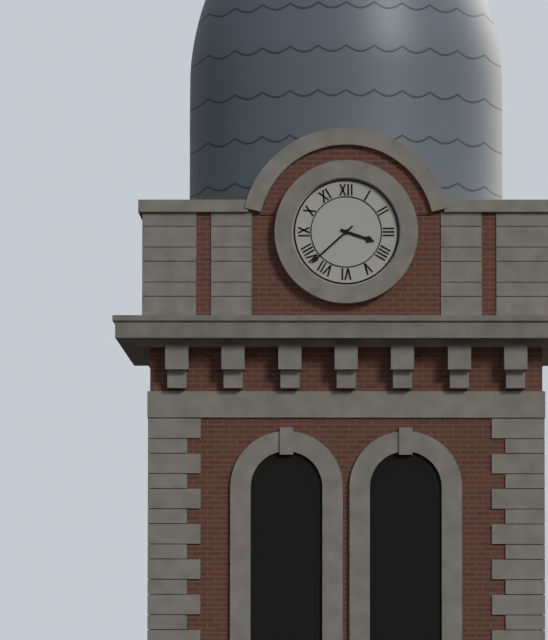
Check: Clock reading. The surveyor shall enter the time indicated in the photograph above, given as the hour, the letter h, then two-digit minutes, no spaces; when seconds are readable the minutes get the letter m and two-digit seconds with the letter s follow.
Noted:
3h38
